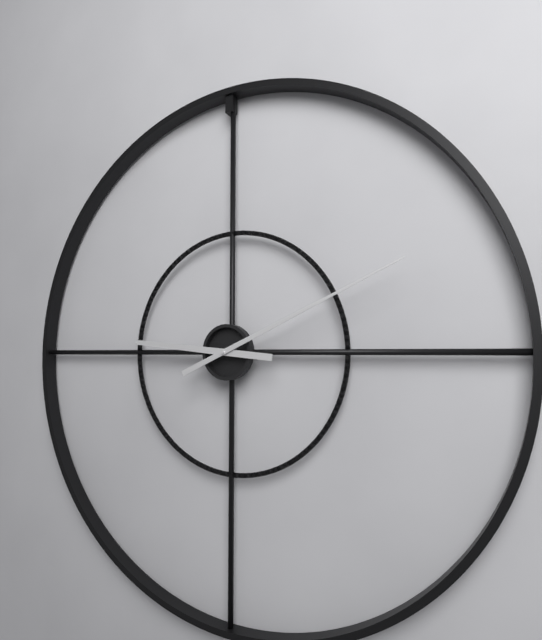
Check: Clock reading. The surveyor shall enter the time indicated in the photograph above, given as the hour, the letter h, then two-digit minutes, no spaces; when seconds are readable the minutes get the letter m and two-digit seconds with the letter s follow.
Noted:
9h11
